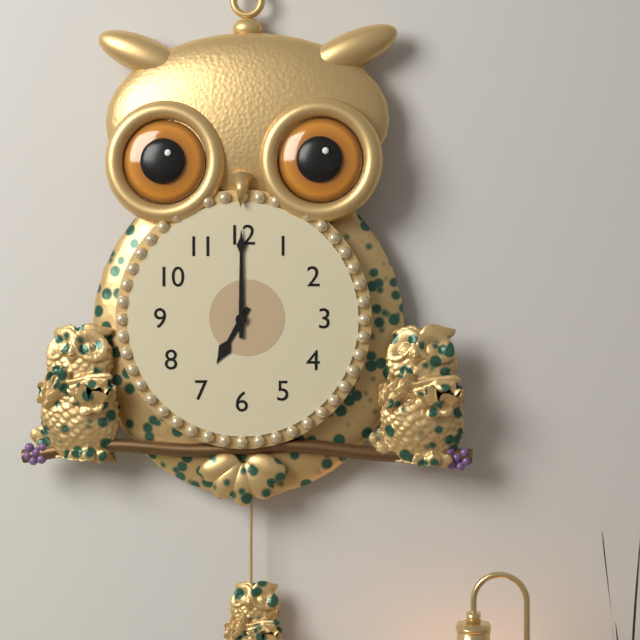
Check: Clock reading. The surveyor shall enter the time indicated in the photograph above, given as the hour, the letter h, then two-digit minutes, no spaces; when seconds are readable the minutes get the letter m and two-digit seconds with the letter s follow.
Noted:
7h00
